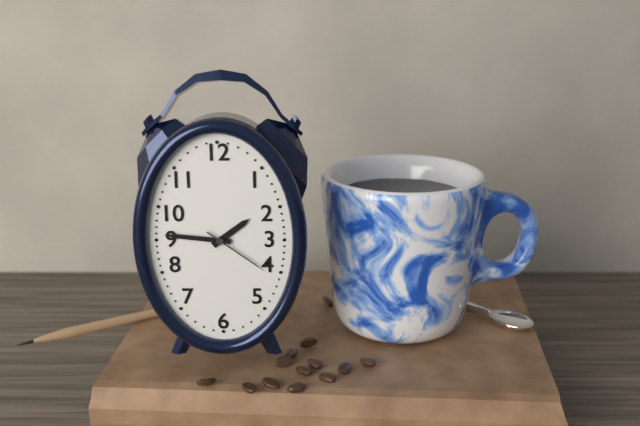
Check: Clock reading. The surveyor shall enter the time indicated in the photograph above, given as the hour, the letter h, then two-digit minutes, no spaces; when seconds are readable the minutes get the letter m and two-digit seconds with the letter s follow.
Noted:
1h46m21s
